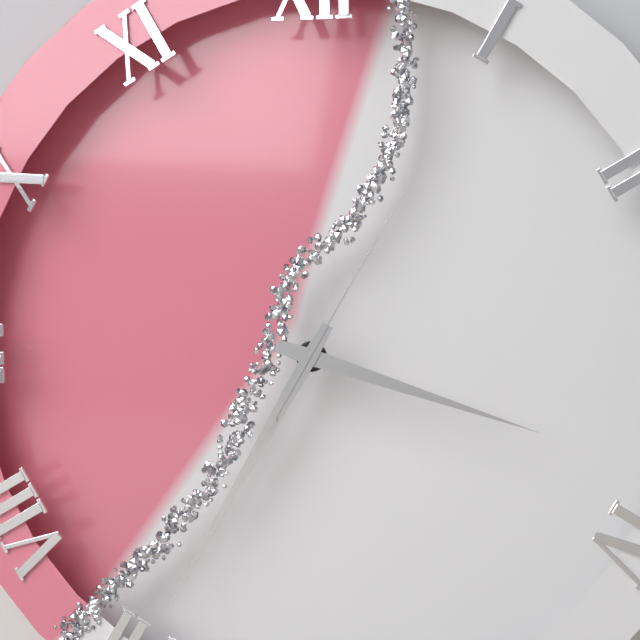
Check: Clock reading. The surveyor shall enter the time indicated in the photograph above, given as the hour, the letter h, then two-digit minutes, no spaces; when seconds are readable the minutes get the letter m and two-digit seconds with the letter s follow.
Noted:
3h35m05s
